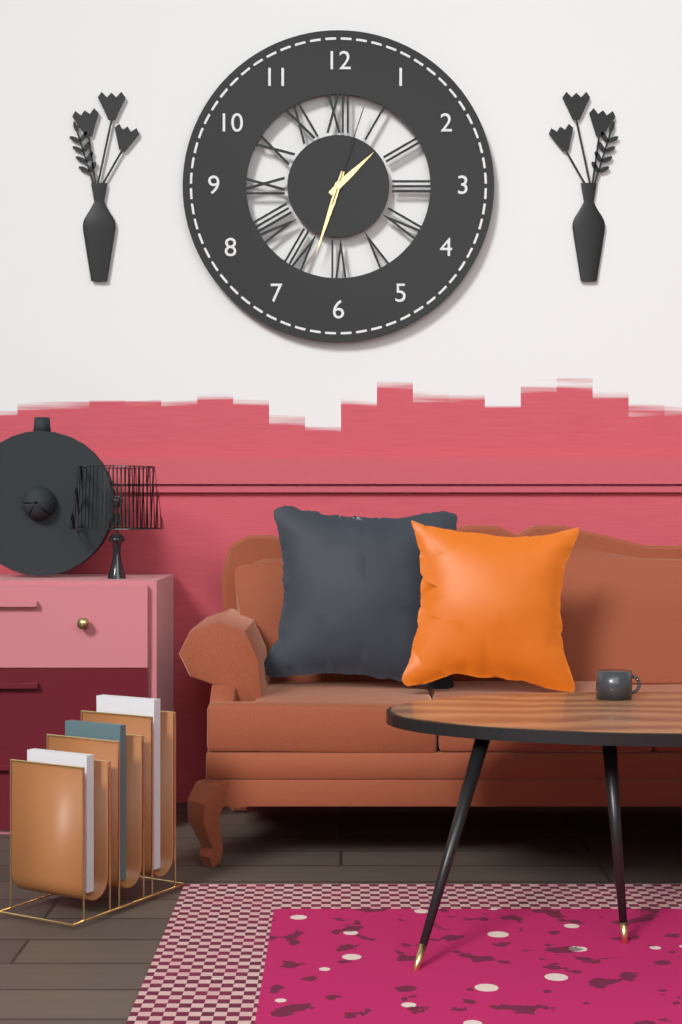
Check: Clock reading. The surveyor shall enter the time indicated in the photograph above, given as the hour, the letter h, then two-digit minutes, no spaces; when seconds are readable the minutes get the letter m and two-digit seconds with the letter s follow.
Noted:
1h33m03s
